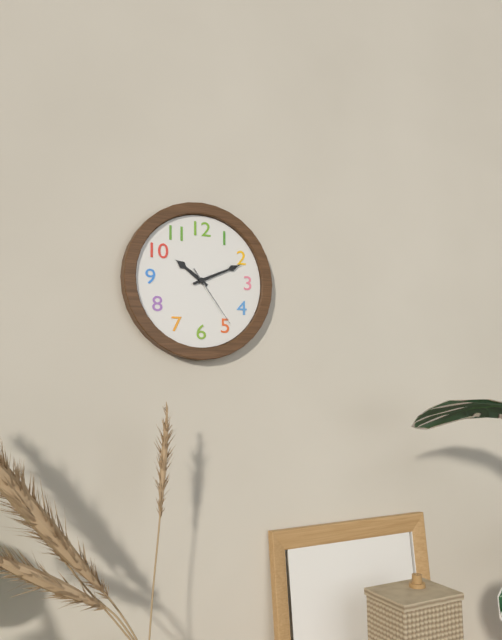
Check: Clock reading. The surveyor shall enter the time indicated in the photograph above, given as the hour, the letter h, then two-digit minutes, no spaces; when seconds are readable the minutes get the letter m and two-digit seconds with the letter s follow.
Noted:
10h11m24s
